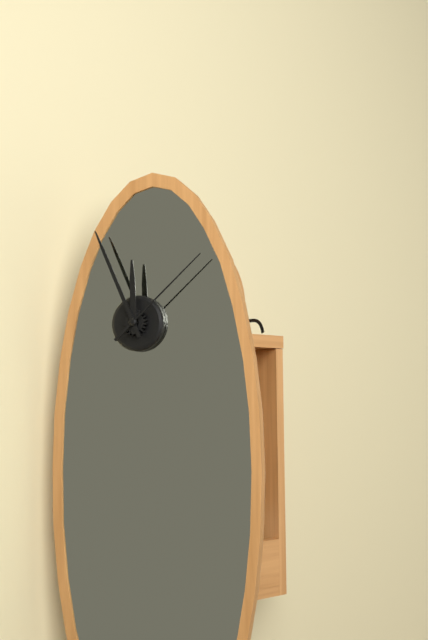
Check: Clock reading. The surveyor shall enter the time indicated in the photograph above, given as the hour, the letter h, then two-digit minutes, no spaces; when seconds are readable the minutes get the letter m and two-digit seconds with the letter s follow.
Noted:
11h56m08s
